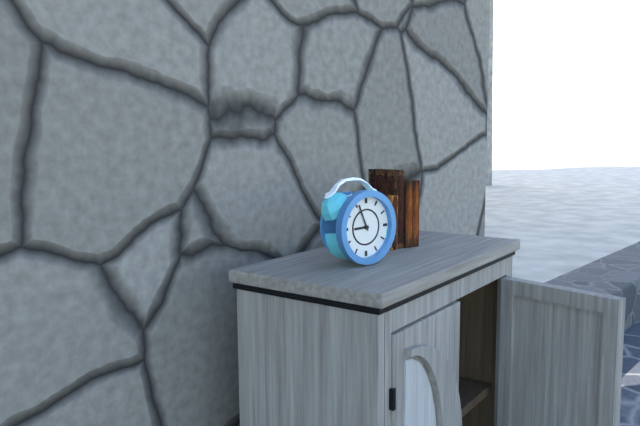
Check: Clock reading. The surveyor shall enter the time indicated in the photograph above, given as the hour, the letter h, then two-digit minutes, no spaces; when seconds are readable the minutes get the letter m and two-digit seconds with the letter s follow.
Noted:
8h56
